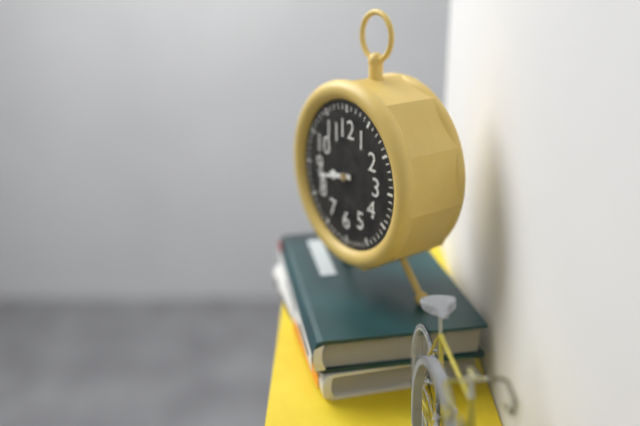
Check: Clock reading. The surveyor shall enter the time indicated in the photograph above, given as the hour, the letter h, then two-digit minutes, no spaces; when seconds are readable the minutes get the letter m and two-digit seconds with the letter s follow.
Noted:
8h43
